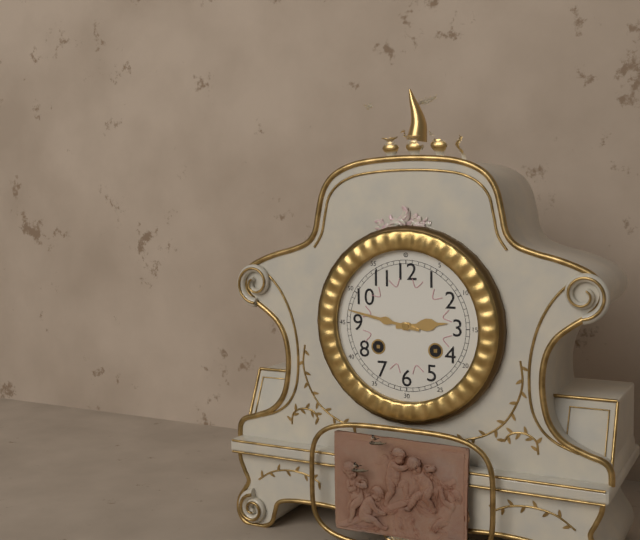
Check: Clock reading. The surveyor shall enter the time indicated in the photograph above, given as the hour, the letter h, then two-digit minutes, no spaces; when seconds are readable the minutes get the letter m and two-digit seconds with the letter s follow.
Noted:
2h47
